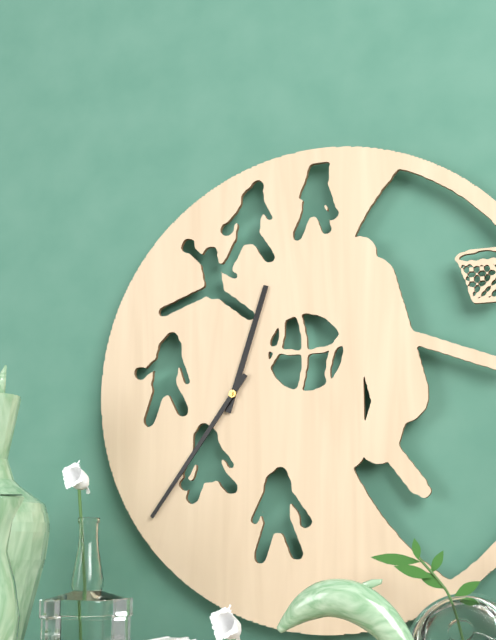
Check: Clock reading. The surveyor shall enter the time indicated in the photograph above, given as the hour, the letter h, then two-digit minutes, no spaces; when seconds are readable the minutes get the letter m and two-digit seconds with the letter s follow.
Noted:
12h36
